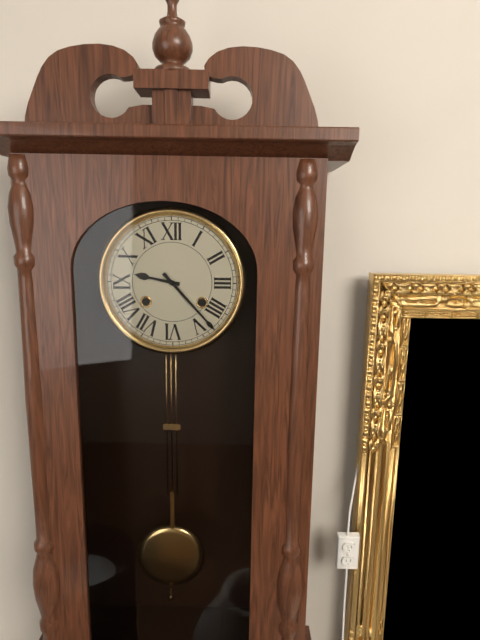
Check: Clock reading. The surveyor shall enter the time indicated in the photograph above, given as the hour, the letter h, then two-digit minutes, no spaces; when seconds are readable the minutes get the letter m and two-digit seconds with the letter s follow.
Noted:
9h23
